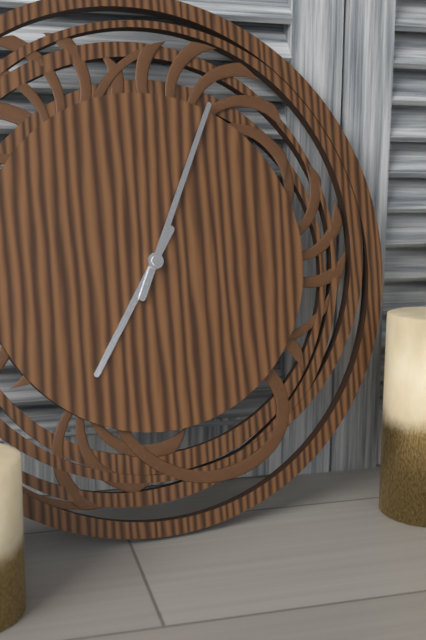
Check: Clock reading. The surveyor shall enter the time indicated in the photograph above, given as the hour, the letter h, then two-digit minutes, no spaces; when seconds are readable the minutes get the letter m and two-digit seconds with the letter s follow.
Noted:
7h04
